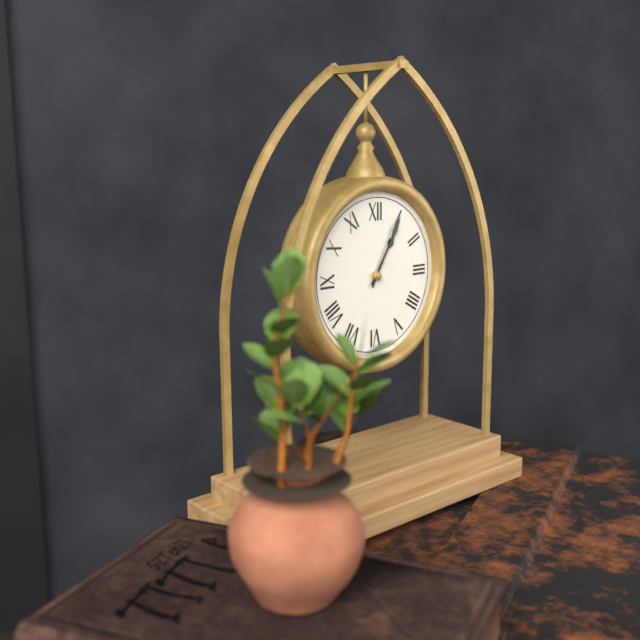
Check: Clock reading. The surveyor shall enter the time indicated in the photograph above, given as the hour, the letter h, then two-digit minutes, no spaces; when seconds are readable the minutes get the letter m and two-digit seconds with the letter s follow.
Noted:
1h05
